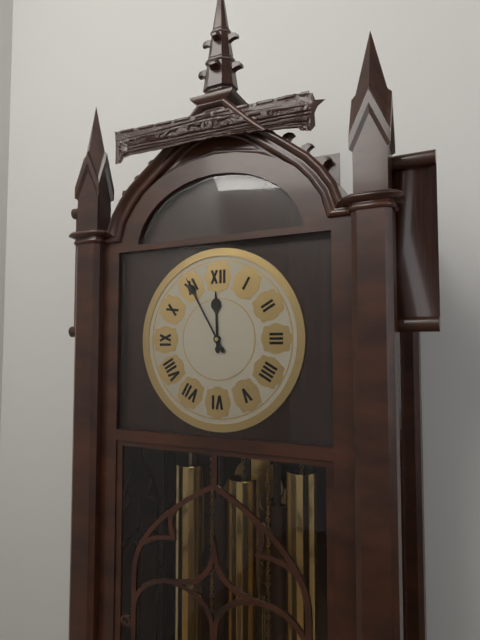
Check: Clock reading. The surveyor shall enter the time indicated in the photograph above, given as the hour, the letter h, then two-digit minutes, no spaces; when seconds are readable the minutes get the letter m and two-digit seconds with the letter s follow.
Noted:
11h55
